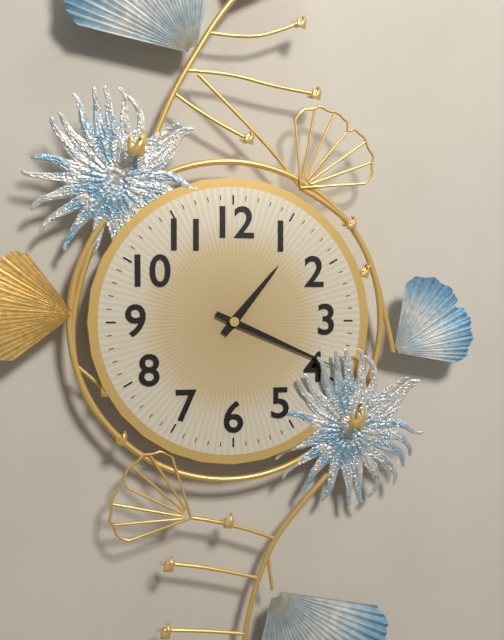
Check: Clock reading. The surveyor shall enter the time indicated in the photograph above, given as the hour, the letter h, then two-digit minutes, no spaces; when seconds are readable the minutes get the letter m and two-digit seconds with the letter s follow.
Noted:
1h19
